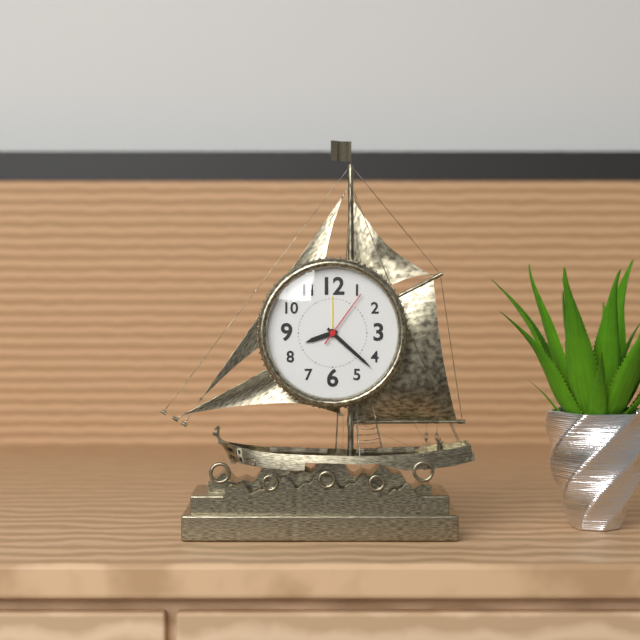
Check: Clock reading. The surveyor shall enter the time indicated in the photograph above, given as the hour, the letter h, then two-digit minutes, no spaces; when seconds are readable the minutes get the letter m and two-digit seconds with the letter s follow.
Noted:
8h22m06s
